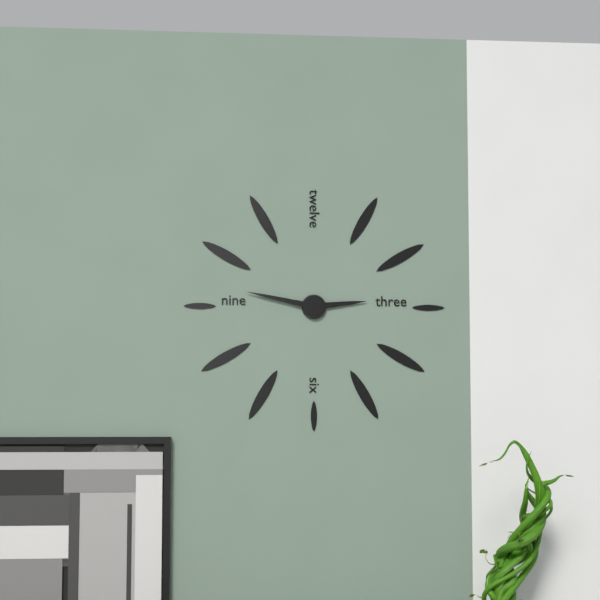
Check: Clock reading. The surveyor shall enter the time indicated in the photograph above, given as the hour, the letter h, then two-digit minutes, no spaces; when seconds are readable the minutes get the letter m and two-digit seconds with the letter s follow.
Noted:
2h47
